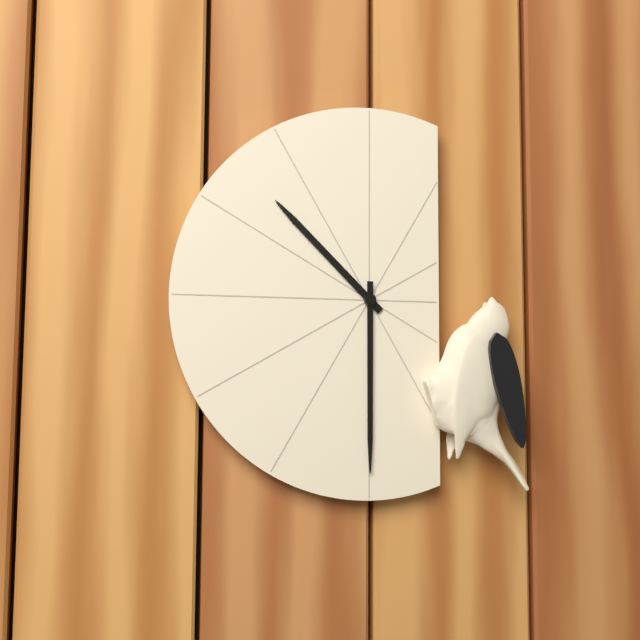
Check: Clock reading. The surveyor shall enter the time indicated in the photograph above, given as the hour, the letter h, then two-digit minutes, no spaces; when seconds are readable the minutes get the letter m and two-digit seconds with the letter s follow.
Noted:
10h30
